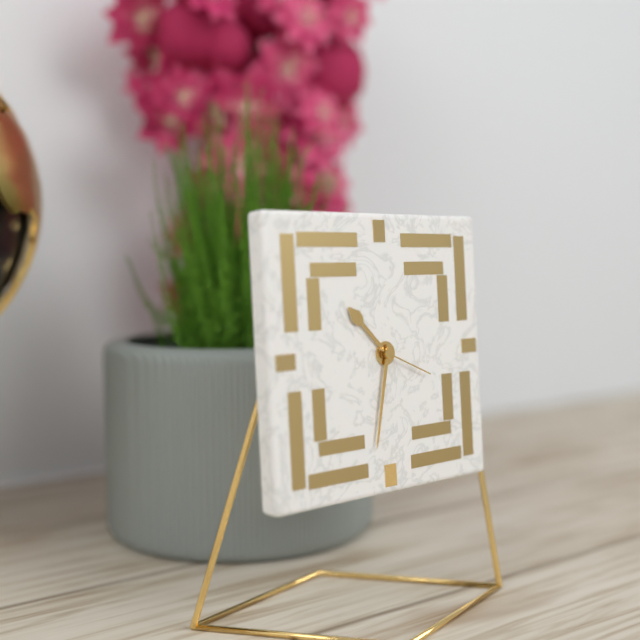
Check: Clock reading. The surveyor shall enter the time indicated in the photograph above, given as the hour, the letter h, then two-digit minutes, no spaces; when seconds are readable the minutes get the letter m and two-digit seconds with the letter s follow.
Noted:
10h32m19s
